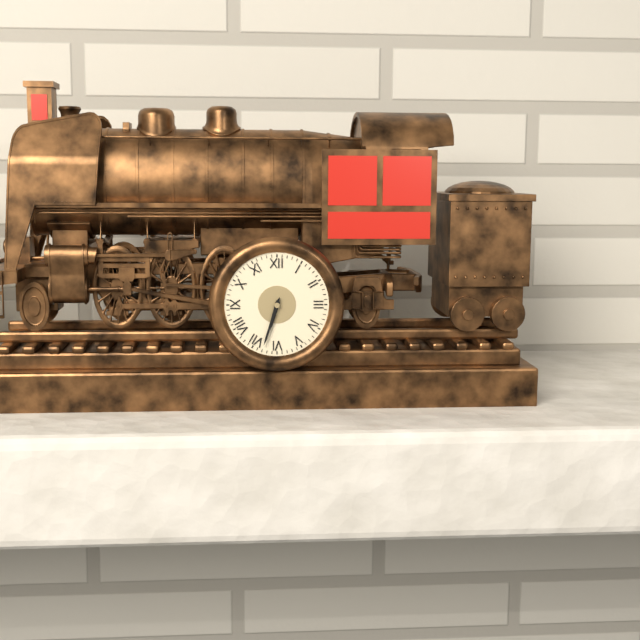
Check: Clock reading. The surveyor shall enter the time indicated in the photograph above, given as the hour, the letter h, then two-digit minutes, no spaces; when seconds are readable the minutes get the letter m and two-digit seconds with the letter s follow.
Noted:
6h33
